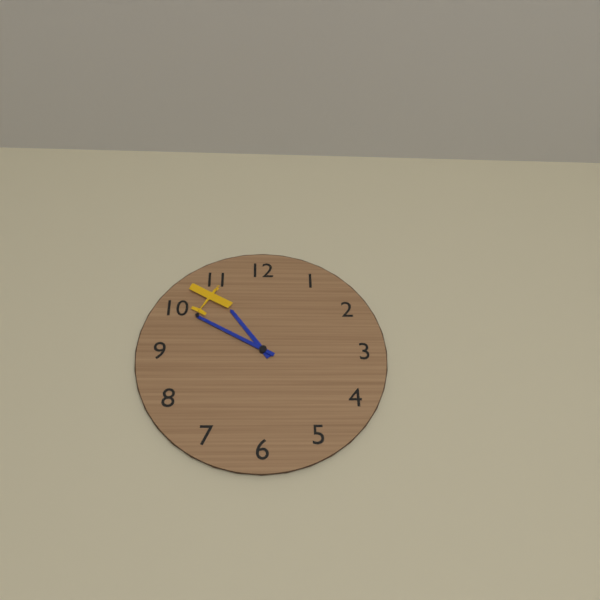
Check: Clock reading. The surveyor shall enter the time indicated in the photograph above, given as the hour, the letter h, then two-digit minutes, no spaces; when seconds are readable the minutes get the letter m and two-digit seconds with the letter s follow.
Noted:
10h50
